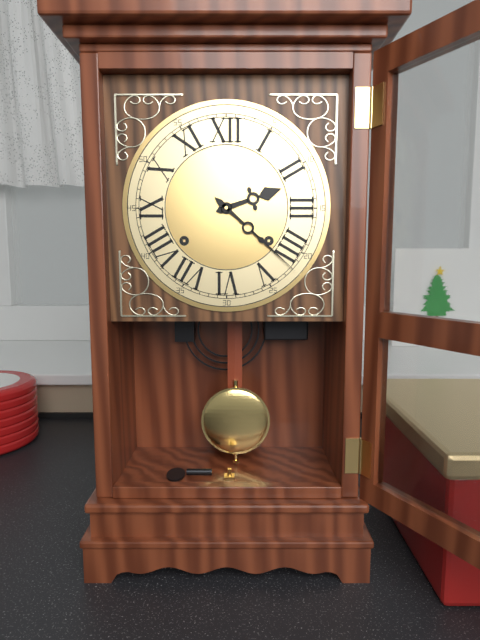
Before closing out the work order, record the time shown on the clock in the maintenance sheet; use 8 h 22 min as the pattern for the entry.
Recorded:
2 h 22 min
